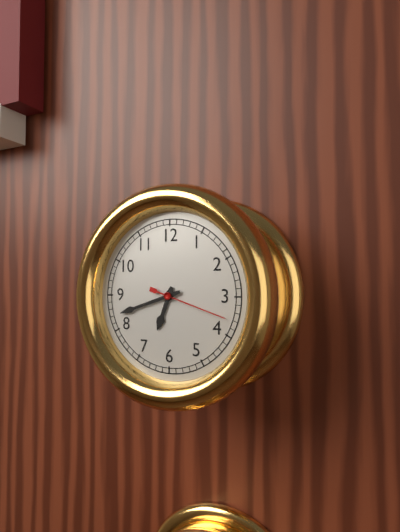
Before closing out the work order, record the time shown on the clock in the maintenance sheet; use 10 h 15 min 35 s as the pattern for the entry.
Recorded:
6 h 42 min 18 s
